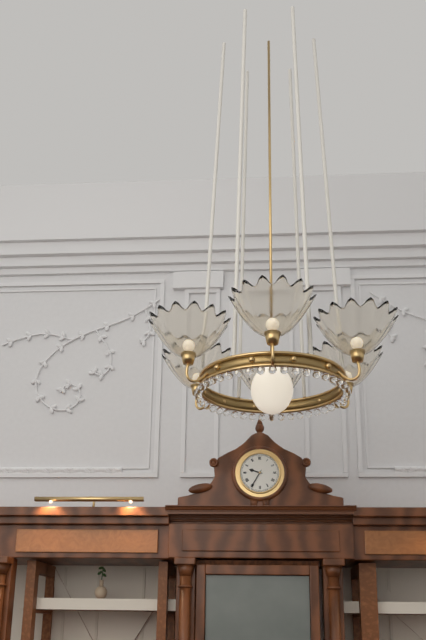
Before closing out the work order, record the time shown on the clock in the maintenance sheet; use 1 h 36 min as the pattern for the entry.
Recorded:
9 h 35 min
